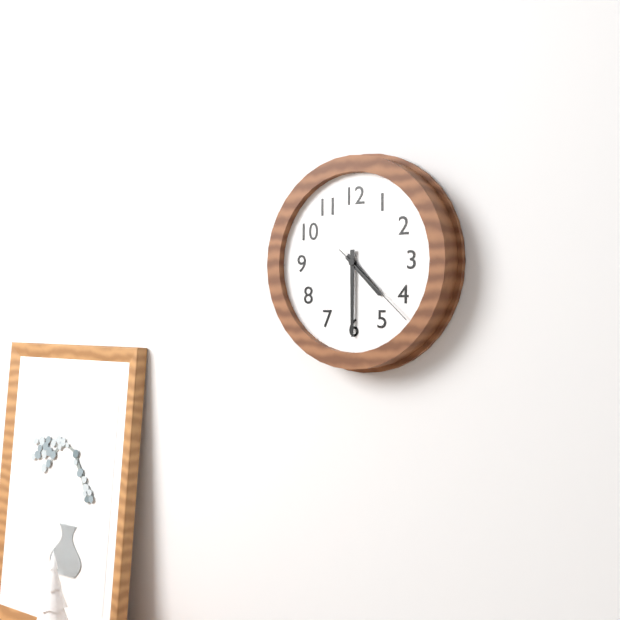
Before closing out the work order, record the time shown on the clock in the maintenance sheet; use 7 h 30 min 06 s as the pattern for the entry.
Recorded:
4 h 30 min 22 s
